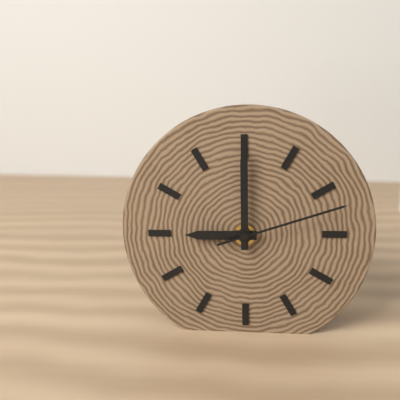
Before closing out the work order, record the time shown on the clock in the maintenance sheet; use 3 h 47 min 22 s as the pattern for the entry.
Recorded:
9 h 00 min 12 s
